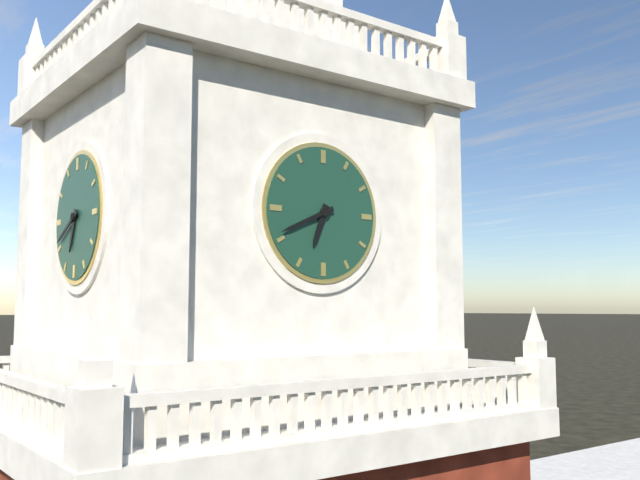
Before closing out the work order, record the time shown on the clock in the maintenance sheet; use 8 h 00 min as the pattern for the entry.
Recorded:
6 h 41 min
